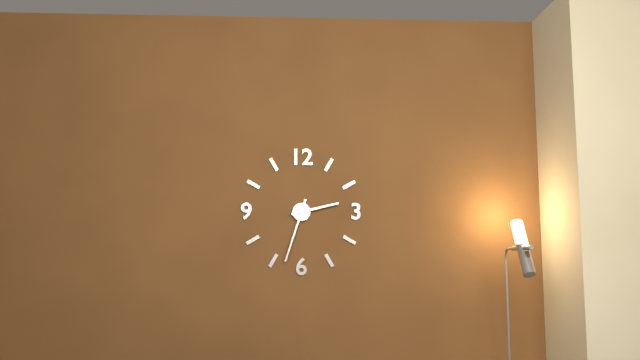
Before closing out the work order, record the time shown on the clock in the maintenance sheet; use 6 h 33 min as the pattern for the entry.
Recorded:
2 h 33 min
